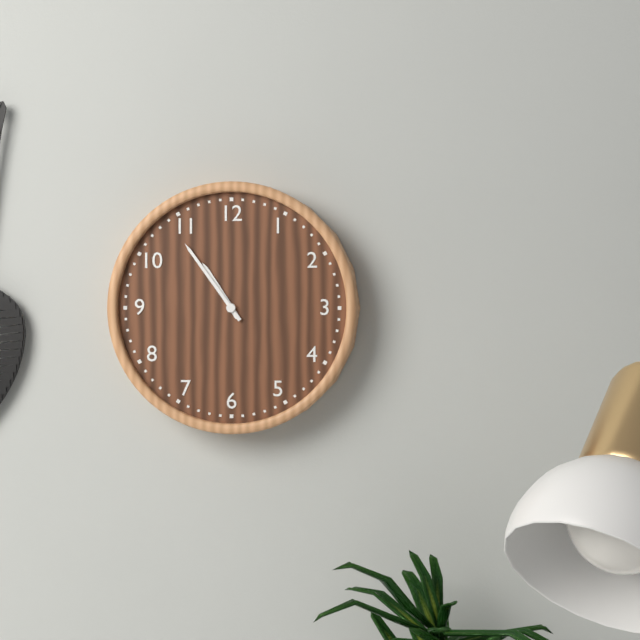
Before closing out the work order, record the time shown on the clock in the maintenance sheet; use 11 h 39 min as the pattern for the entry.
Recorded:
10 h 54 min
